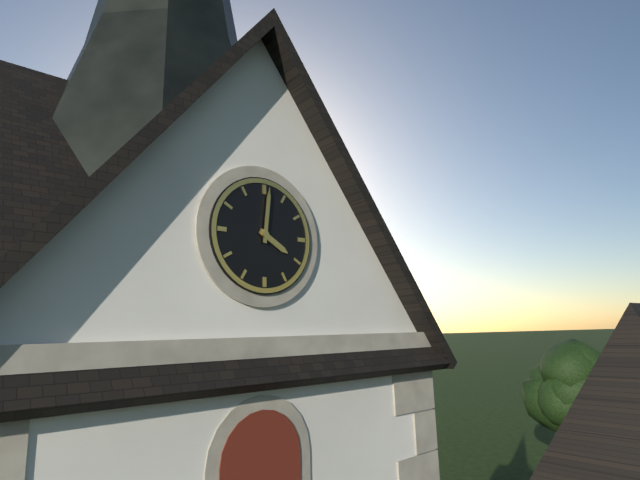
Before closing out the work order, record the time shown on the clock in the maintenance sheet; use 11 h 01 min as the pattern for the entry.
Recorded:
4 h 01 min
